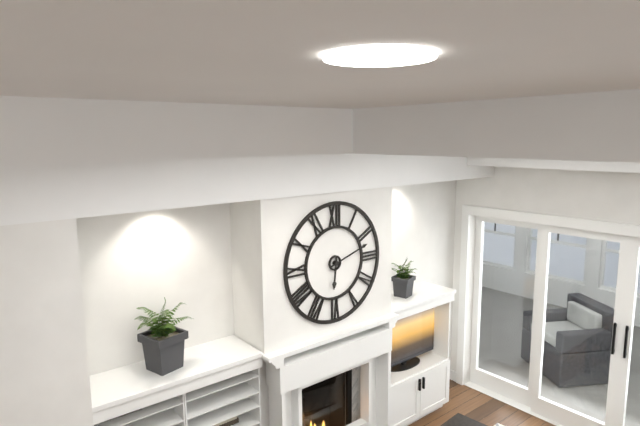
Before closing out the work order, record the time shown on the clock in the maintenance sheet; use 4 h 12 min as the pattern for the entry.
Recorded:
6 h 12 min
